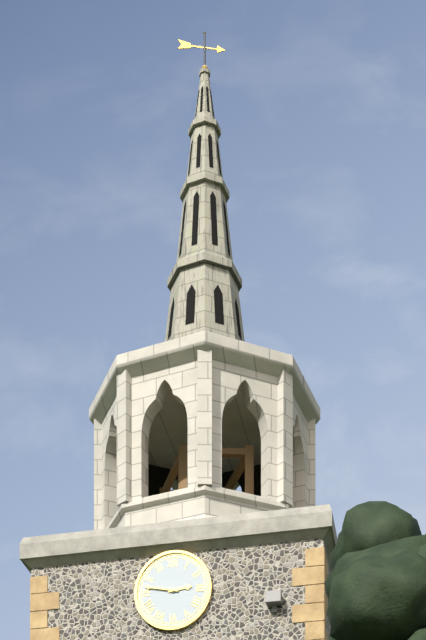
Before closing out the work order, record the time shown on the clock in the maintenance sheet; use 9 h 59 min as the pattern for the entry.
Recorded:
2 h 47 min
